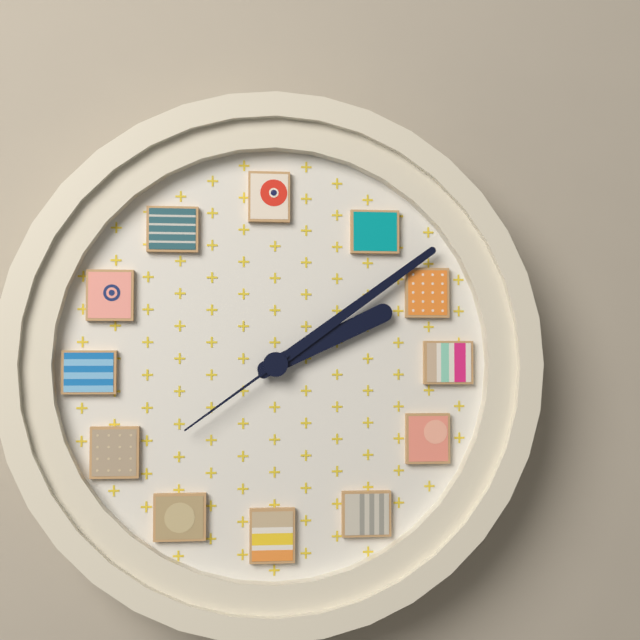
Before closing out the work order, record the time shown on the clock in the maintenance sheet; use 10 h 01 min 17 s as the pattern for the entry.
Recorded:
2 h 09 min 39 s
